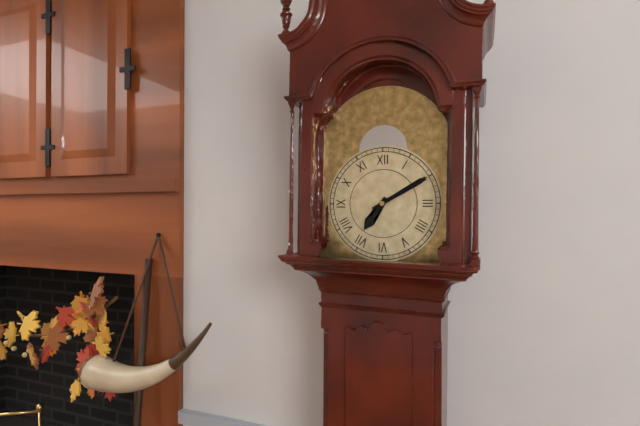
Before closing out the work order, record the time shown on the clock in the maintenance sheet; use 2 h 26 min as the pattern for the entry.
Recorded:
7 h 10 min
